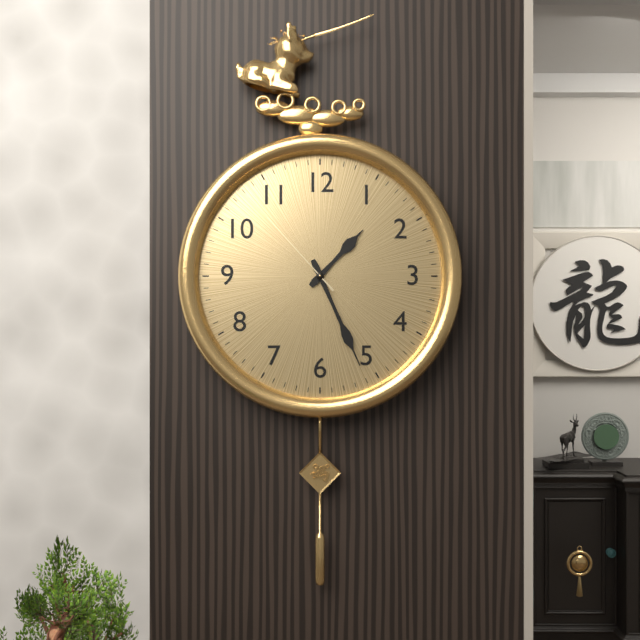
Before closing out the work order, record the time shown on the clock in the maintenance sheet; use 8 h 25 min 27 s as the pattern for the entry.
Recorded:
1 h 26 min 53 s
